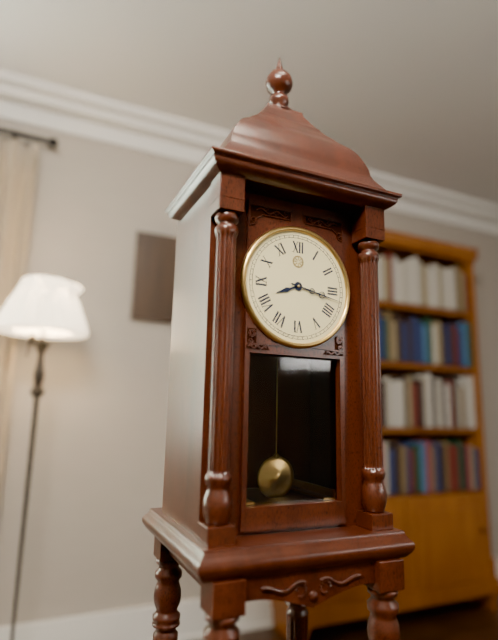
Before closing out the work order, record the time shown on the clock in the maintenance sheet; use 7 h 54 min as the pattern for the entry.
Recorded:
8 h 17 min
